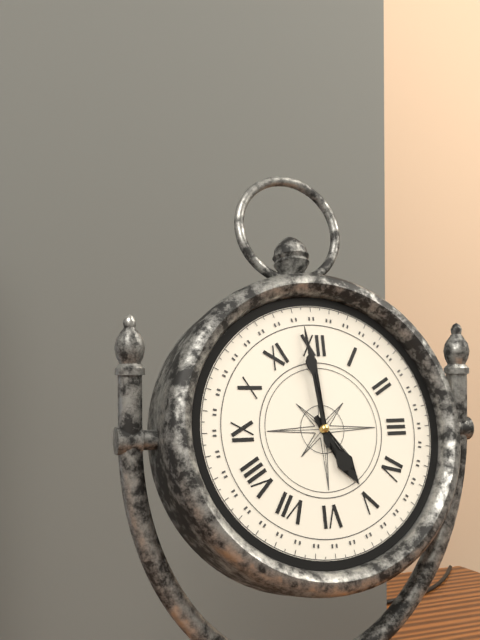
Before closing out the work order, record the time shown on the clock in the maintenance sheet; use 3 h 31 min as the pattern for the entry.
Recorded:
4 h 59 min
